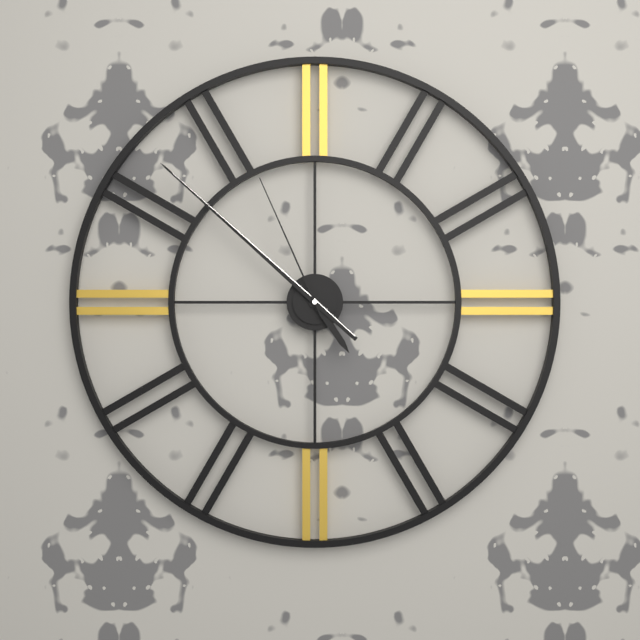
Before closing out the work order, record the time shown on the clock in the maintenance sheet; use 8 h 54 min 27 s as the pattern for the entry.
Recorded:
4 h 52 min 56 s
